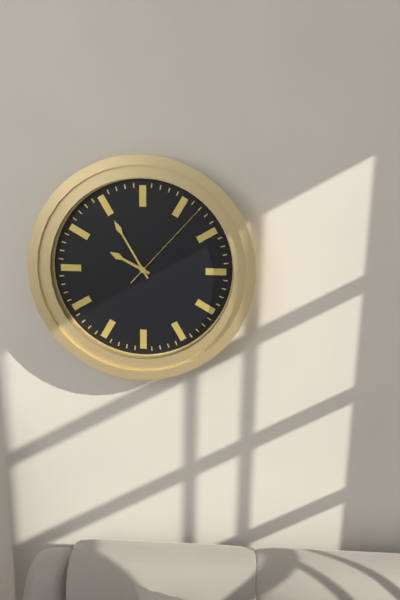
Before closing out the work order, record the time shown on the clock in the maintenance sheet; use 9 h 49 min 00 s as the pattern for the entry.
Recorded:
9 h 55 min 07 s
